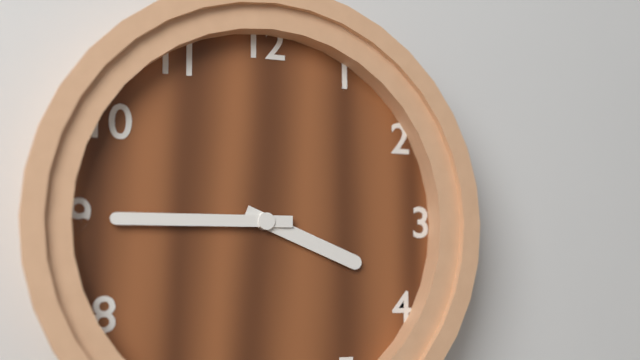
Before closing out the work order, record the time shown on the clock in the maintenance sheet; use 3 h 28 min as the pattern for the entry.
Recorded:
3 h 45 min
